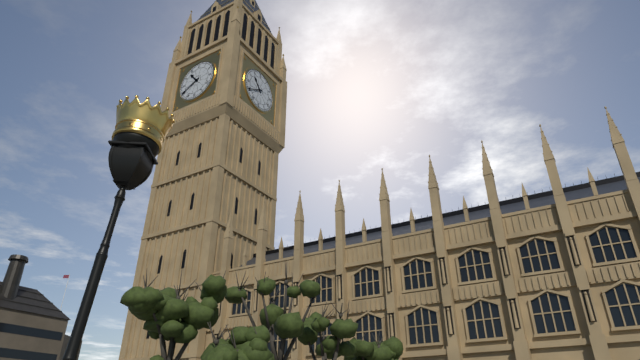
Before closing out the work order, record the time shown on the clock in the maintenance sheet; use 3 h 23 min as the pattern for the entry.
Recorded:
10 h 40 min
